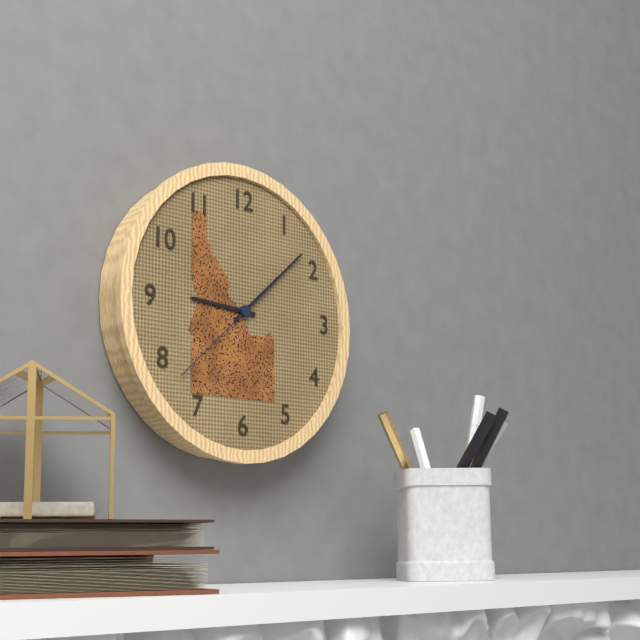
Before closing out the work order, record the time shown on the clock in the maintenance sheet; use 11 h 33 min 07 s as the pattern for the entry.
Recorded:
9 h 08 min 38 s
